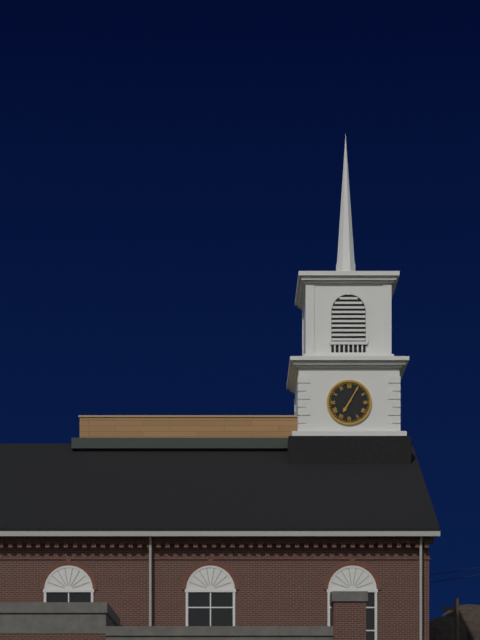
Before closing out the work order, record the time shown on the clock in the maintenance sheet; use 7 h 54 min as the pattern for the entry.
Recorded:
7 h 05 min
